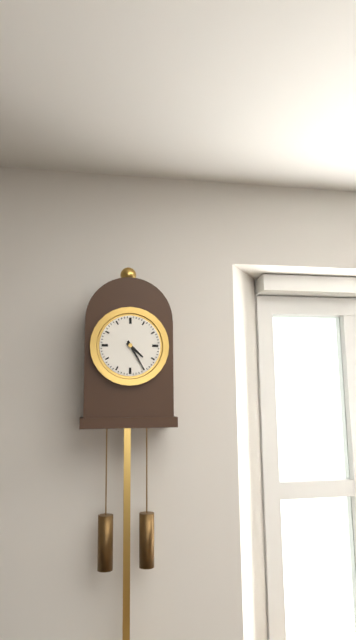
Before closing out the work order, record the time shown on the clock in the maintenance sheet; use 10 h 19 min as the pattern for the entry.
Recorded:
4 h 25 min
